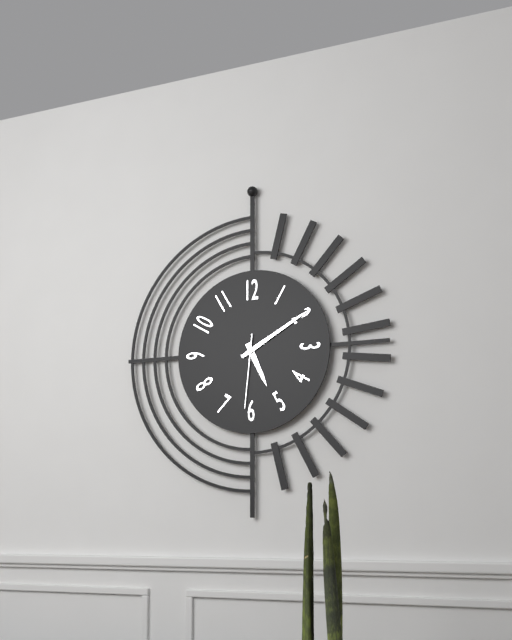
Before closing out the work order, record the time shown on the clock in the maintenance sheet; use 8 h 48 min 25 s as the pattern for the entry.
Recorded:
5 h 10 min 31 s
